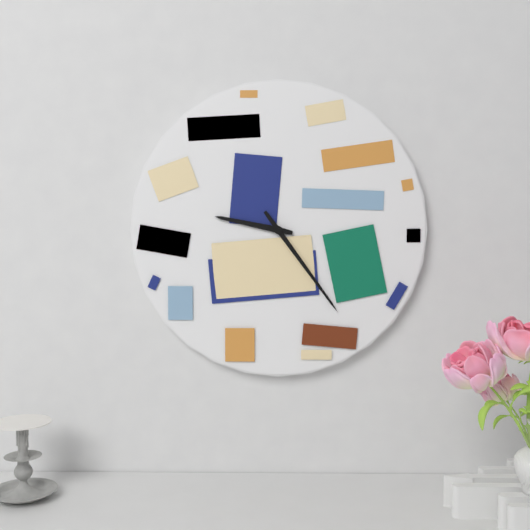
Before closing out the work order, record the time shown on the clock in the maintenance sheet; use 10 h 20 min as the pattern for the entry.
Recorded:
9 h 24 min
